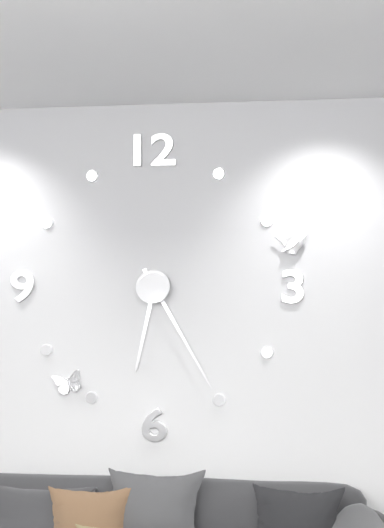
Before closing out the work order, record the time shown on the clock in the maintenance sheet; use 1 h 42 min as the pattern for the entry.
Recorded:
6 h 25 min
